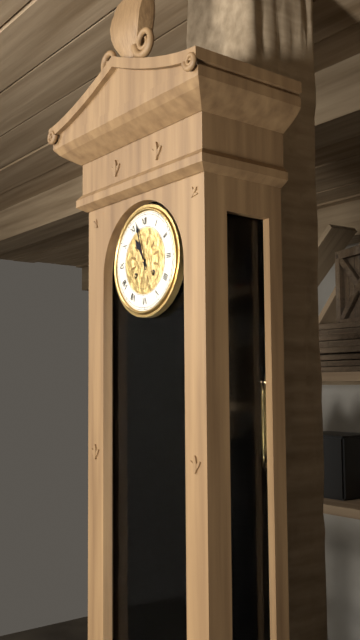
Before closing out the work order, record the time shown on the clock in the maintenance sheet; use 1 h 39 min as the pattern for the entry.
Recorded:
10 h 57 min
